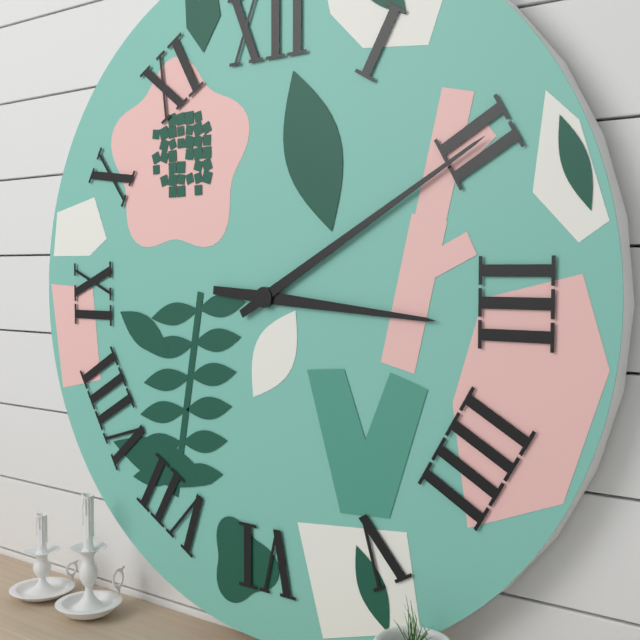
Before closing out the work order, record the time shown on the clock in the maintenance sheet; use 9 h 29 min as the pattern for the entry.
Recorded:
3 h 10 min
